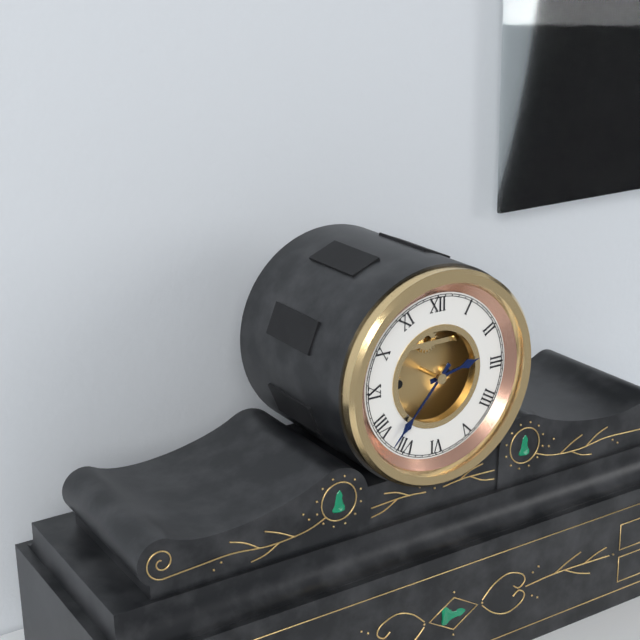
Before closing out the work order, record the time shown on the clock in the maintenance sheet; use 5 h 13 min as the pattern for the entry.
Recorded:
2 h 37 min
